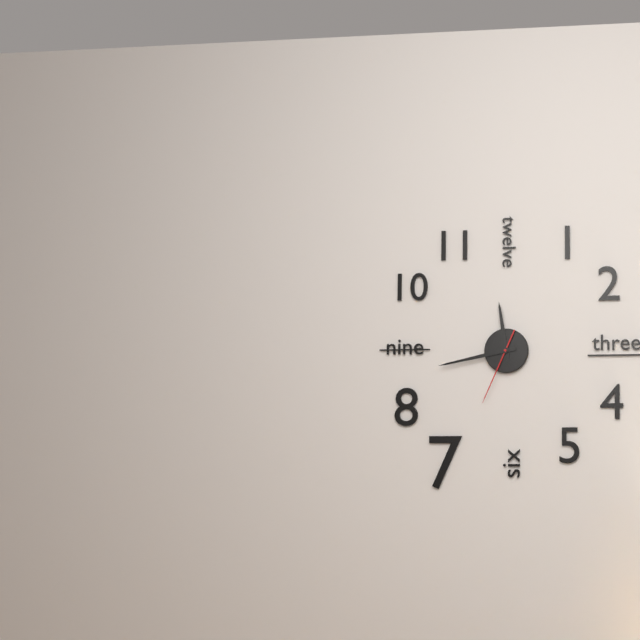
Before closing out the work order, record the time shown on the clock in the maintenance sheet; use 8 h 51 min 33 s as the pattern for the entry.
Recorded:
11 h 43 min 34 s
